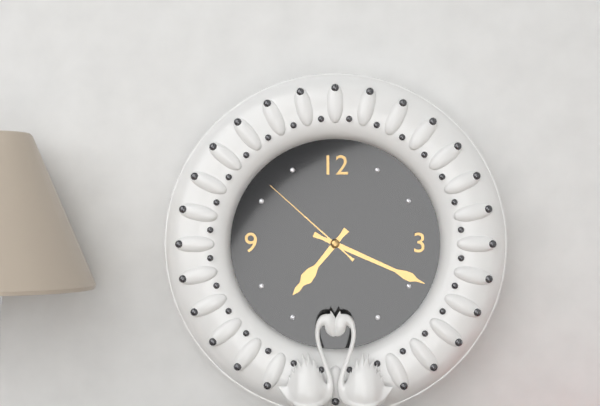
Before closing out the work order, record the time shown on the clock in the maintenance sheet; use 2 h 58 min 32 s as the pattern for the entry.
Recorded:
7 h 19 min 52 s
